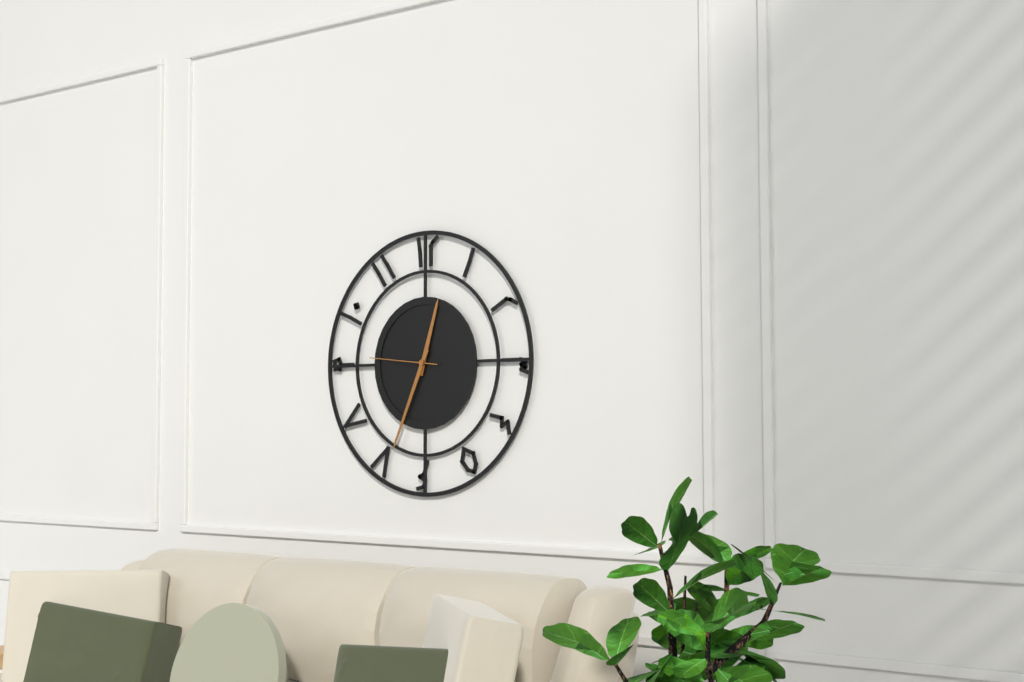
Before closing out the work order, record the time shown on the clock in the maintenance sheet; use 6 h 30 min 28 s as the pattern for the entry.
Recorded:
12 h 34 min 46 s
